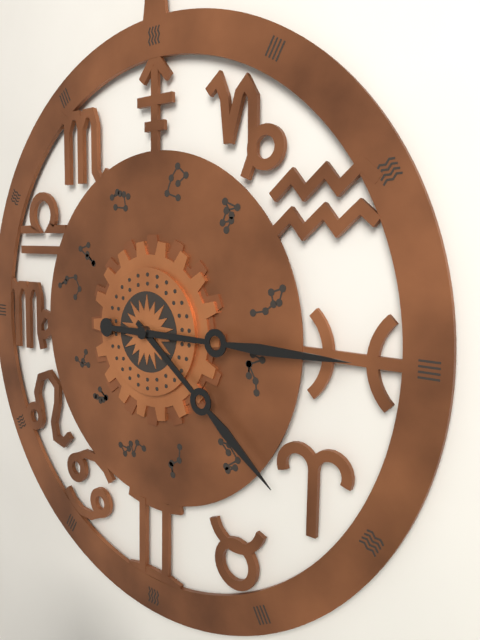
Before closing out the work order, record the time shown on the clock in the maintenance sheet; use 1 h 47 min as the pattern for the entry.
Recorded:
4 h 15 min
